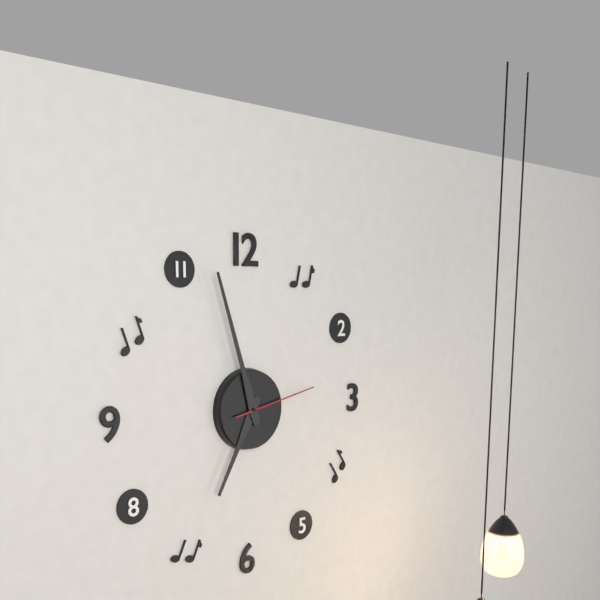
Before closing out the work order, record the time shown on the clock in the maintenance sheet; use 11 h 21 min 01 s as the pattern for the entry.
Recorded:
6 h 57 min 13 s
